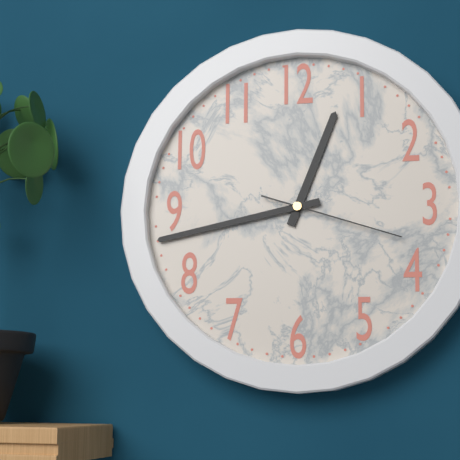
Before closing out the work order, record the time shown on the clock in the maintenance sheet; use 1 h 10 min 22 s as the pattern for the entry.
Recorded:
12 h 43 min 18 s
